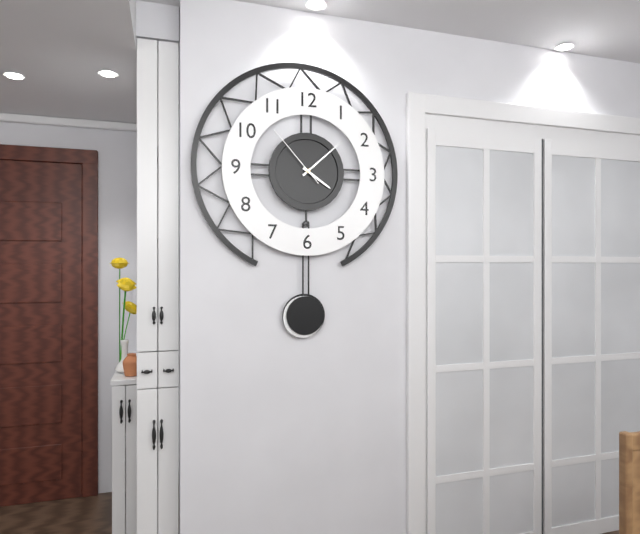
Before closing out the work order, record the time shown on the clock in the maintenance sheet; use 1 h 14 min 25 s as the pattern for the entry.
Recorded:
4 h 08 min 53 s
